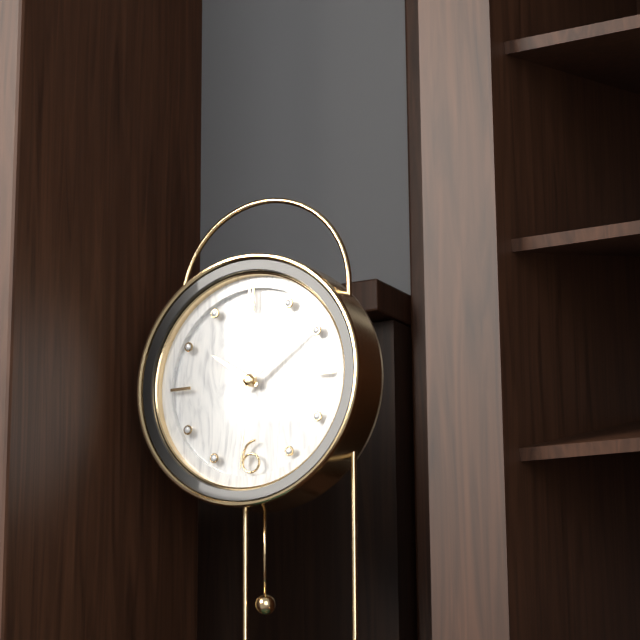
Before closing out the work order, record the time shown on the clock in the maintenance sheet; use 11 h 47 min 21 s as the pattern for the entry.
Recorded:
10 h 09 min 31 s
